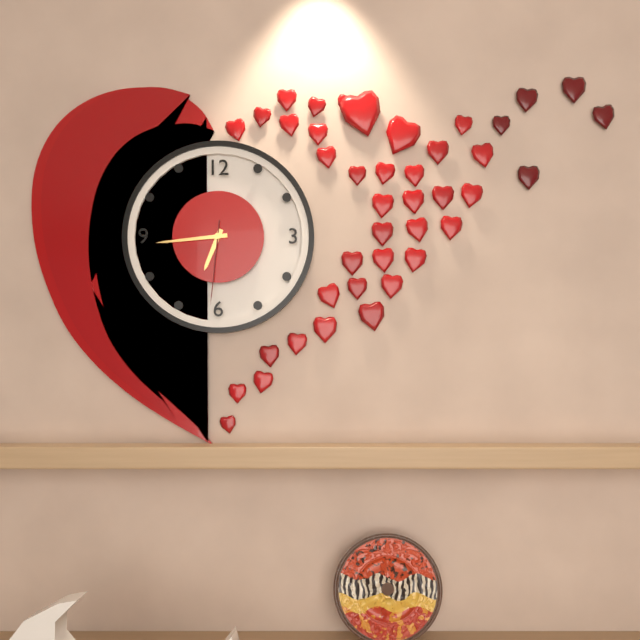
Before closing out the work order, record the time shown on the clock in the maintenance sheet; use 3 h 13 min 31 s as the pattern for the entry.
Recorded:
6 h 44 min 31 s
